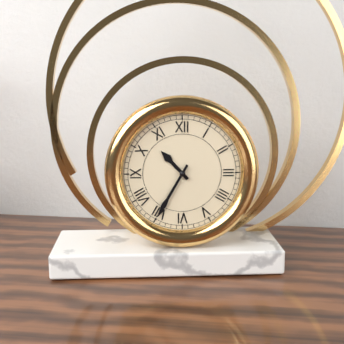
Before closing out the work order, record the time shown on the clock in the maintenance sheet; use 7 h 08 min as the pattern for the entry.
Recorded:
10 h 35 min
